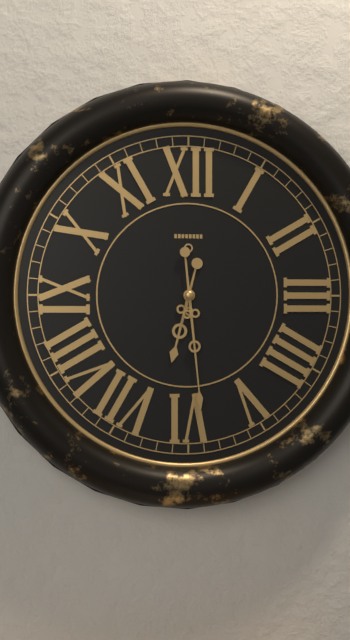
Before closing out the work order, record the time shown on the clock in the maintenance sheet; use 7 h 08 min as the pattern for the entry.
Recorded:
6 h 29 min
